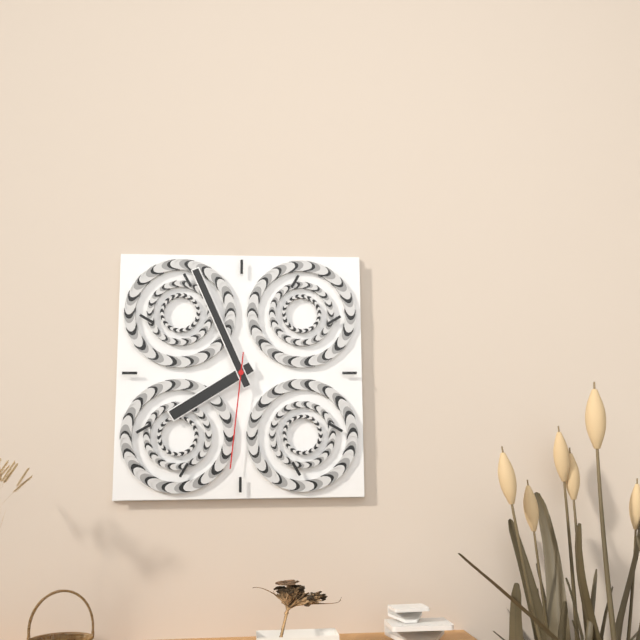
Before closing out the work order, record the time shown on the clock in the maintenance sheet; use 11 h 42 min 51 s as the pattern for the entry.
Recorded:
7 h 56 min 31 s
